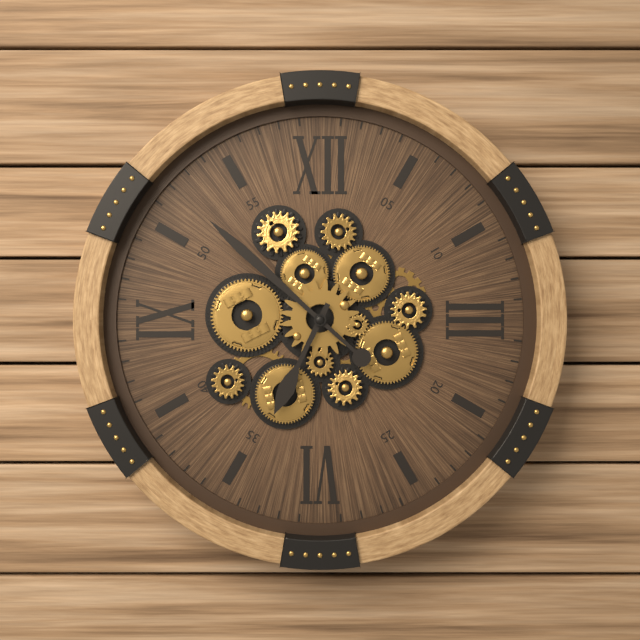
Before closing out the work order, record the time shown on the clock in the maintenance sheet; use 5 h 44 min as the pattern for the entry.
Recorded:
6 h 52 min
